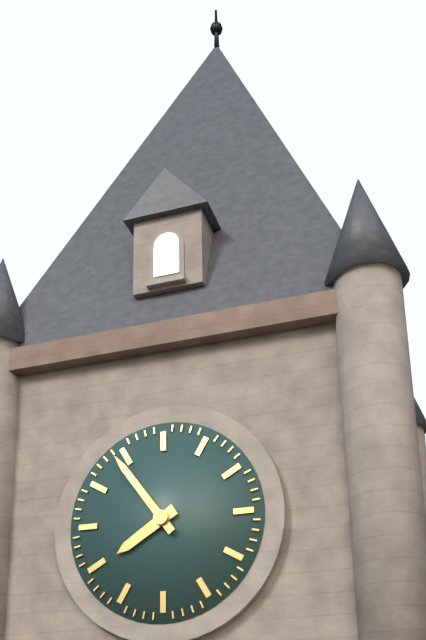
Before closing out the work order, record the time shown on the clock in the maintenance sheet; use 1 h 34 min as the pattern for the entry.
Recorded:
7 h 54 min
